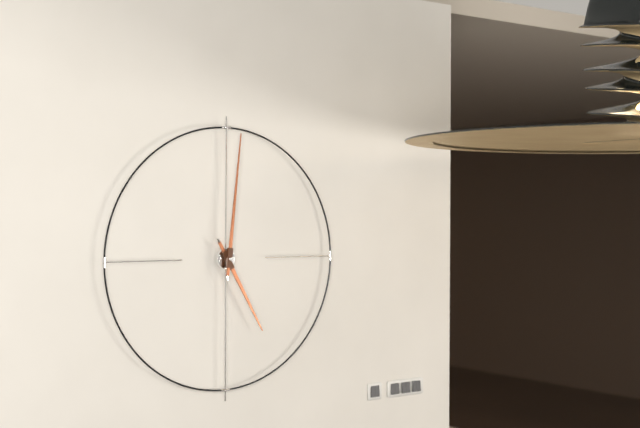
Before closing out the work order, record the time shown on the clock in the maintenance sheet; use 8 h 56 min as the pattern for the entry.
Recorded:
5 h 01 min
